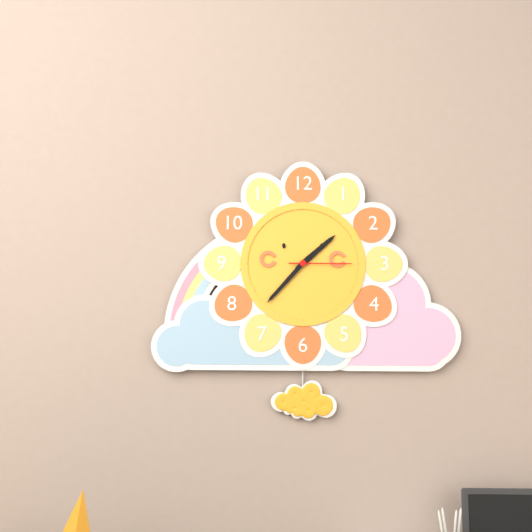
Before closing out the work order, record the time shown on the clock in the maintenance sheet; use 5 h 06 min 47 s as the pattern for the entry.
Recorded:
1 h 37 min 15 s
